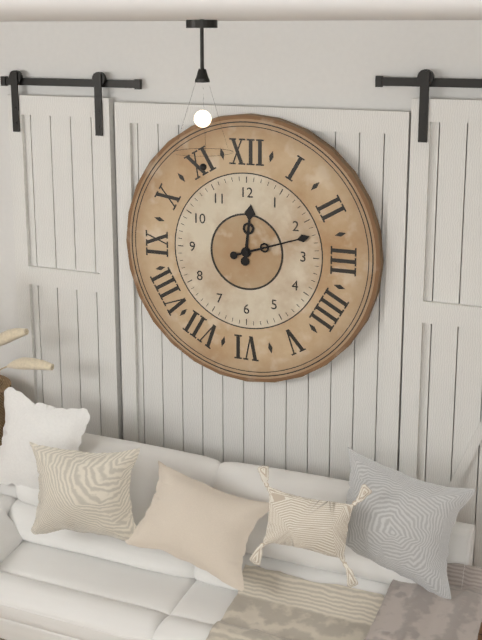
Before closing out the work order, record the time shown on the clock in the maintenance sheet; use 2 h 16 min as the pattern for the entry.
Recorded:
12 h 12 min
